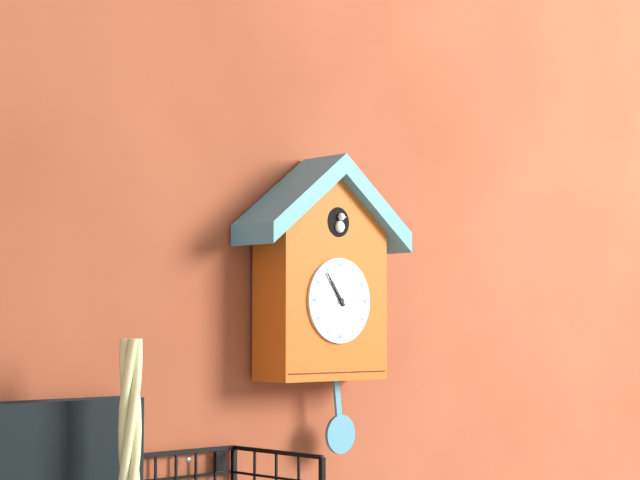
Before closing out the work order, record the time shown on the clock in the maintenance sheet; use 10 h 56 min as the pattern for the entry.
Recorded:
10 h 54 min
